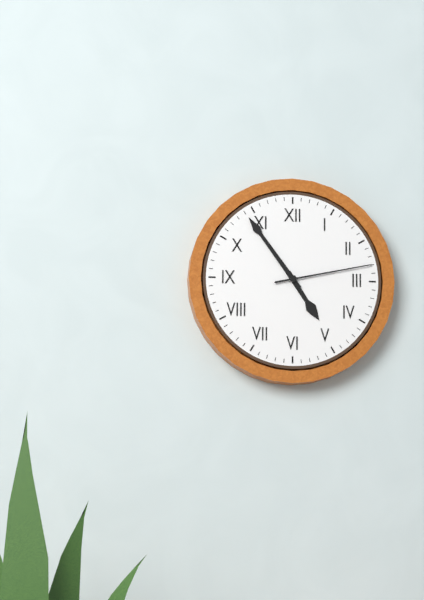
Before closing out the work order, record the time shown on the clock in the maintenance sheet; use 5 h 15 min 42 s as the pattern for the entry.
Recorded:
4 h 54 min 13 s
